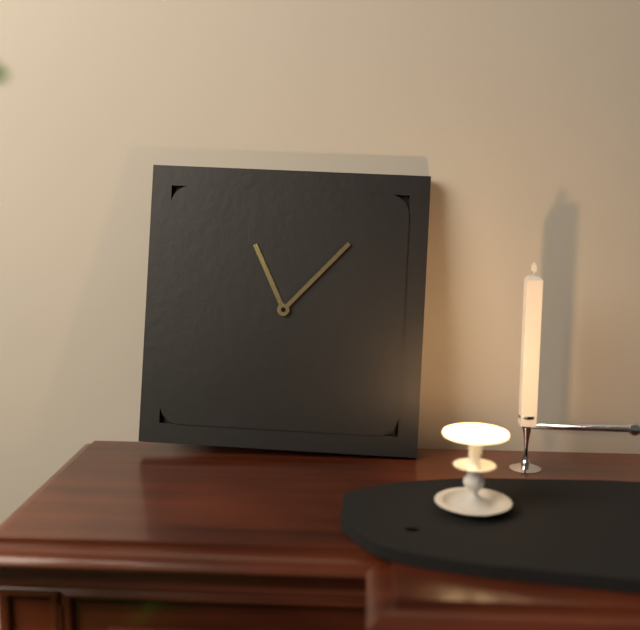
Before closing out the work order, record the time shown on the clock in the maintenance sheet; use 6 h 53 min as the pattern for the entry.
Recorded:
11 h 07 min
